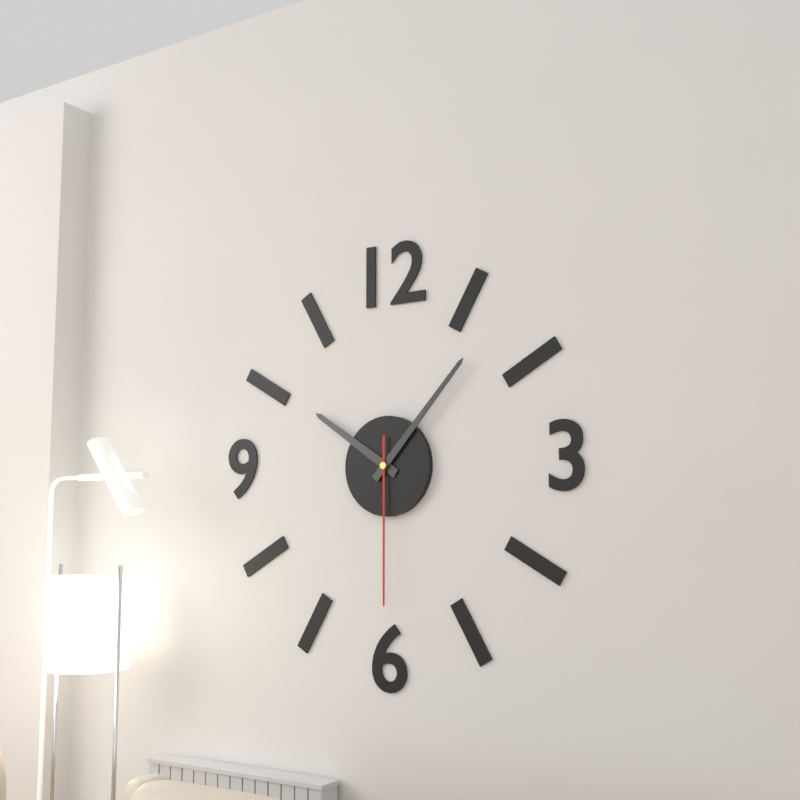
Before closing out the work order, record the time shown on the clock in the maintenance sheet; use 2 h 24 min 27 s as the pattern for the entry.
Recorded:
10 h 07 min 30 s
